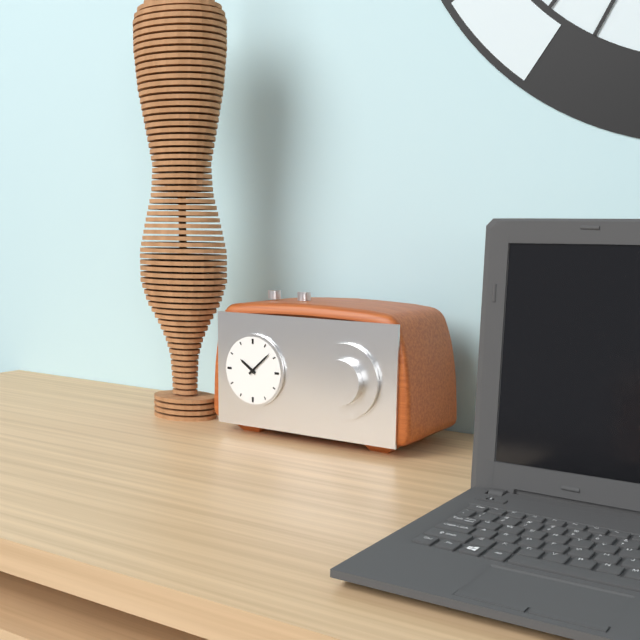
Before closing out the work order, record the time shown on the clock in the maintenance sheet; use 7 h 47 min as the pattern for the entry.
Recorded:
10 h 08 min
